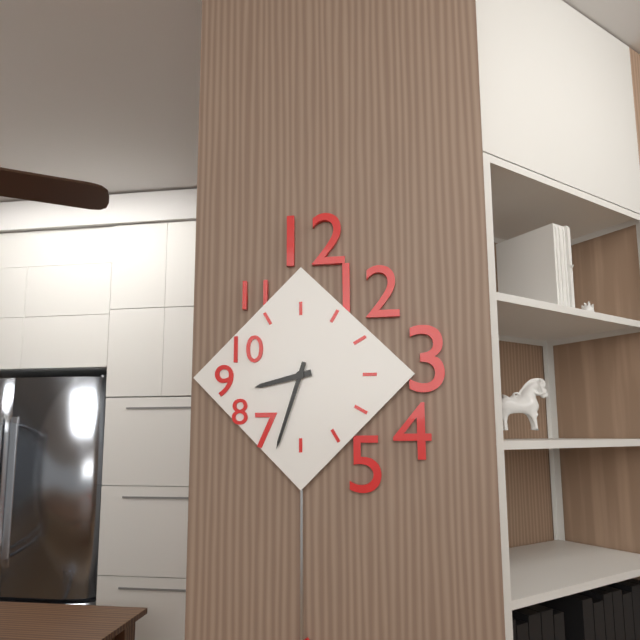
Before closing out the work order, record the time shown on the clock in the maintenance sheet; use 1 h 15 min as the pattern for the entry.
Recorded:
8 h 33 min
